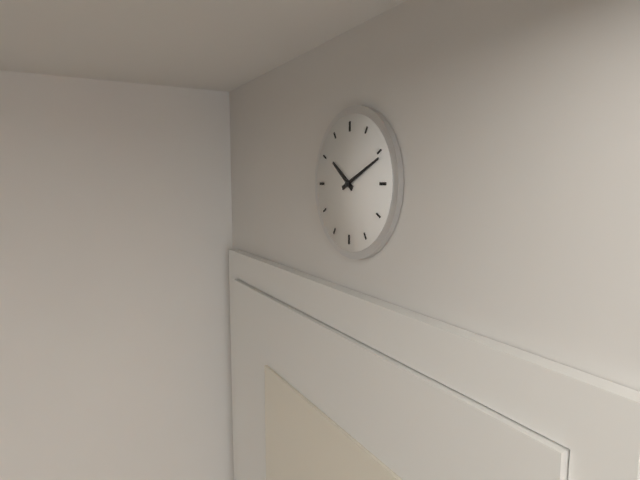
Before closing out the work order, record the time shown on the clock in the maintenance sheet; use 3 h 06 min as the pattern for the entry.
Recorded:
10 h 11 min
